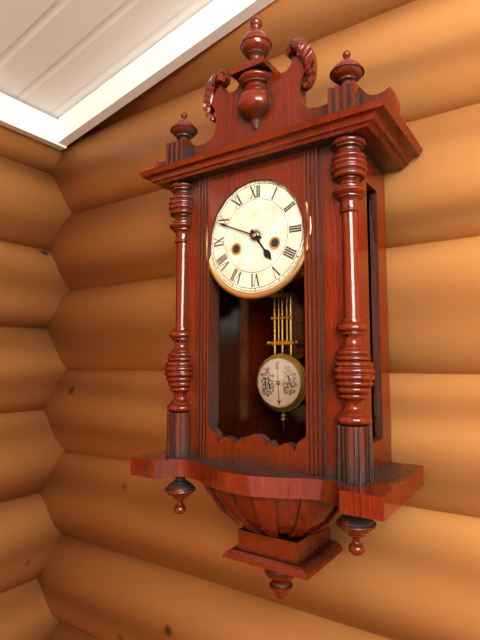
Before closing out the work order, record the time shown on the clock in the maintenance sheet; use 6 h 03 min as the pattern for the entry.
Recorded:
4 h 49 min
